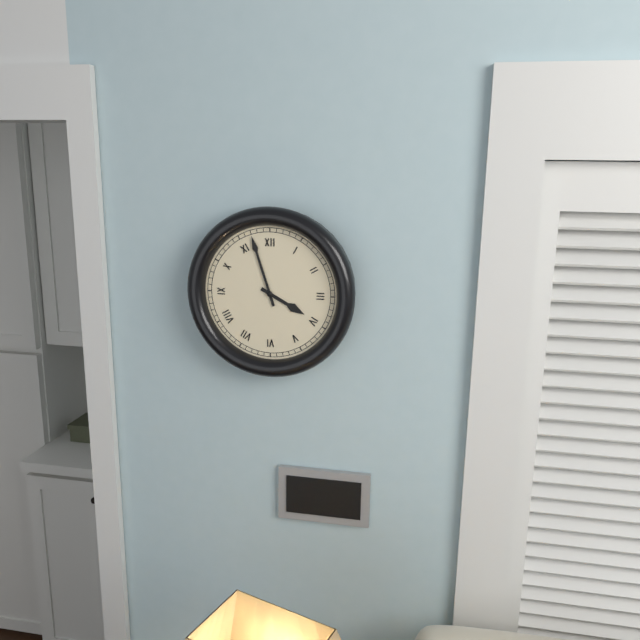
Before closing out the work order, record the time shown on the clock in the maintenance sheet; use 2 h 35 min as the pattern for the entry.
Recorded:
3 h 57 min
